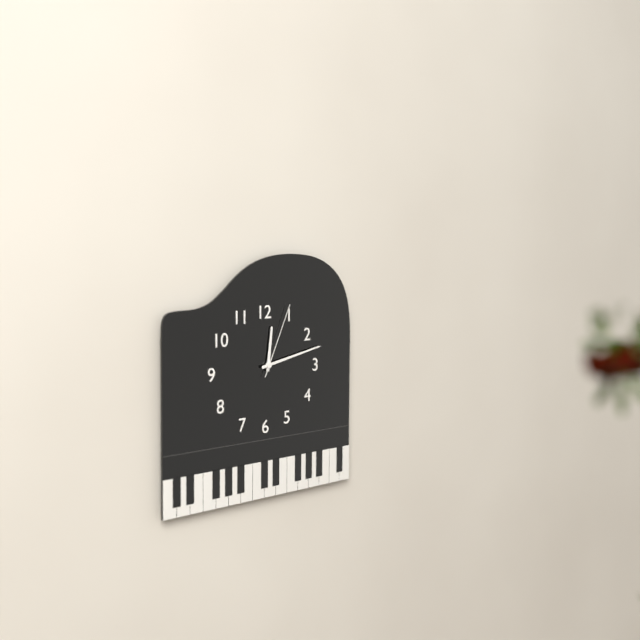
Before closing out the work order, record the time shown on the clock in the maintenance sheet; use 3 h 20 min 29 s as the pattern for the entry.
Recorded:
12 h 13 min 04 s
